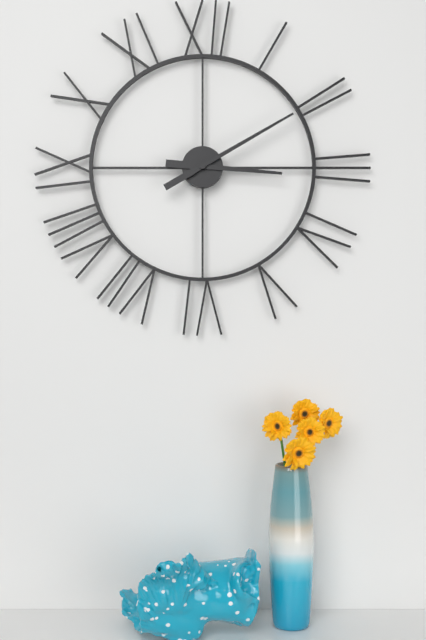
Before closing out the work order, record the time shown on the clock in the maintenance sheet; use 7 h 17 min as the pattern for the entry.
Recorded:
3 h 10 min
